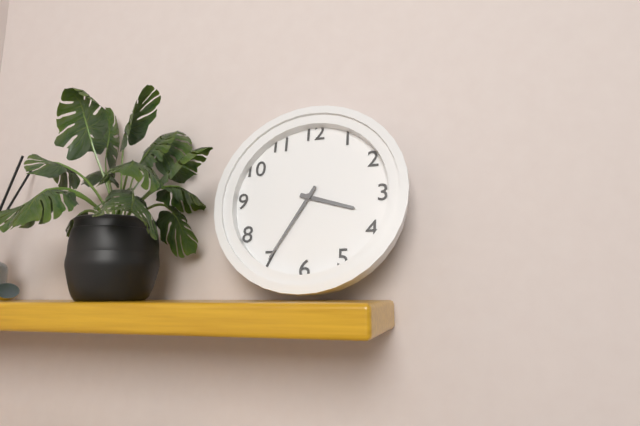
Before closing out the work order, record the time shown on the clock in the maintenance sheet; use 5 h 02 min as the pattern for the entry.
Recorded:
3 h 35 min
